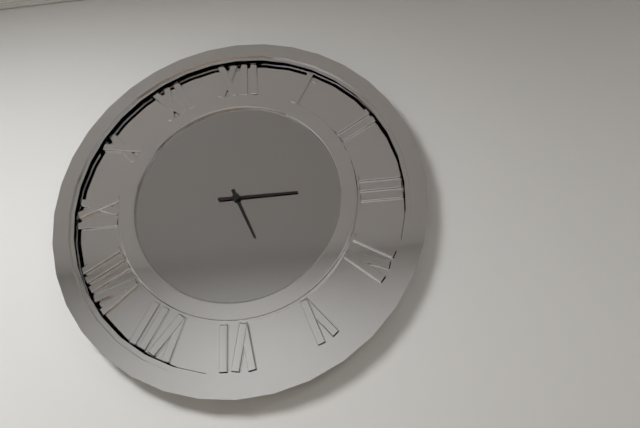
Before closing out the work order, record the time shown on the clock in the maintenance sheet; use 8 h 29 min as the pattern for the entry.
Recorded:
5 h 15 min
